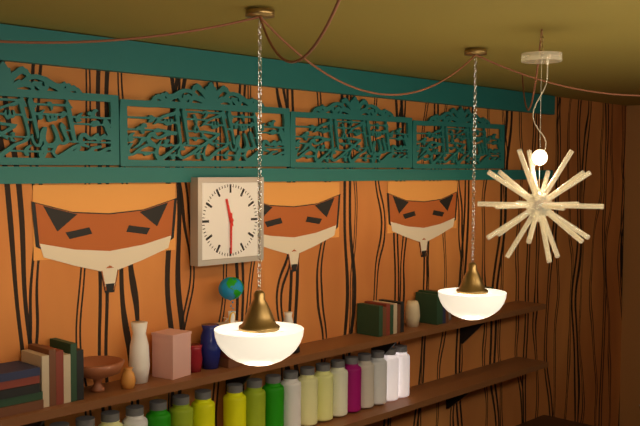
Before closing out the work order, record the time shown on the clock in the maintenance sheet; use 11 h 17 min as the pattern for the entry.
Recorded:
11 h 30 min
